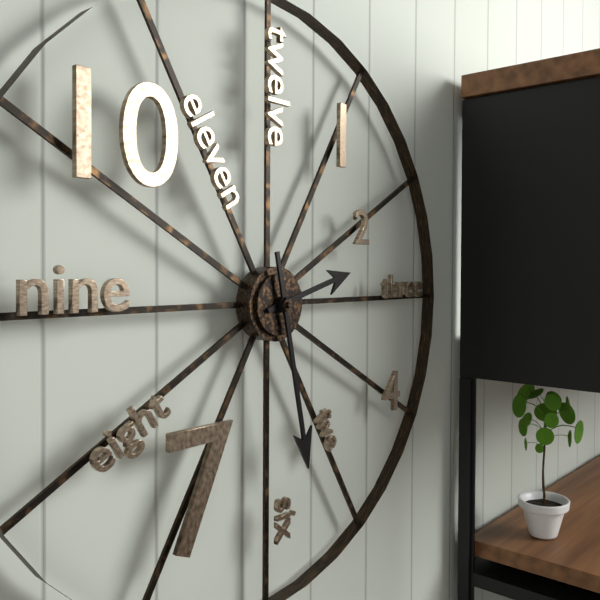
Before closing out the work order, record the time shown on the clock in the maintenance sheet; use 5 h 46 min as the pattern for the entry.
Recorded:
2 h 28 min
